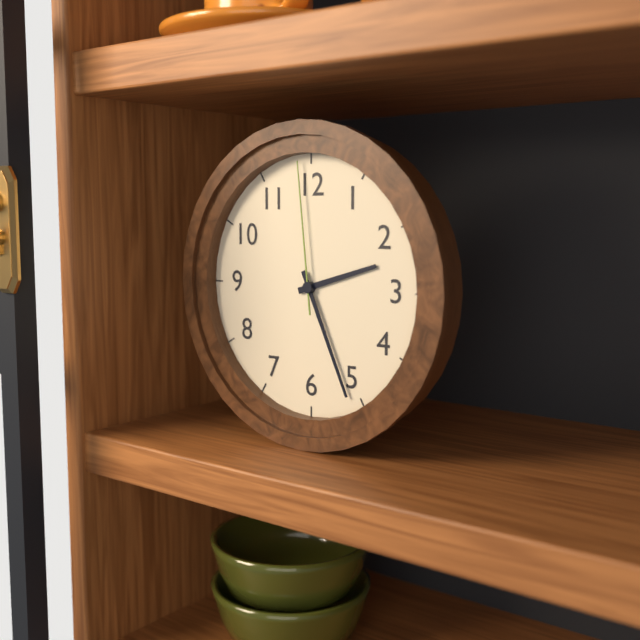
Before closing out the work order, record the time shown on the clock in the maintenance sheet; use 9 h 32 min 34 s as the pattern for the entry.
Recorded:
2 h 26 min 59 s
